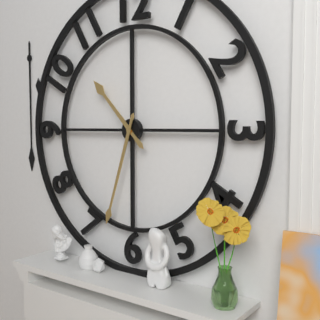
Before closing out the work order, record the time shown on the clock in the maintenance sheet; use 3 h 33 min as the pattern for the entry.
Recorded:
10 h 33 min
